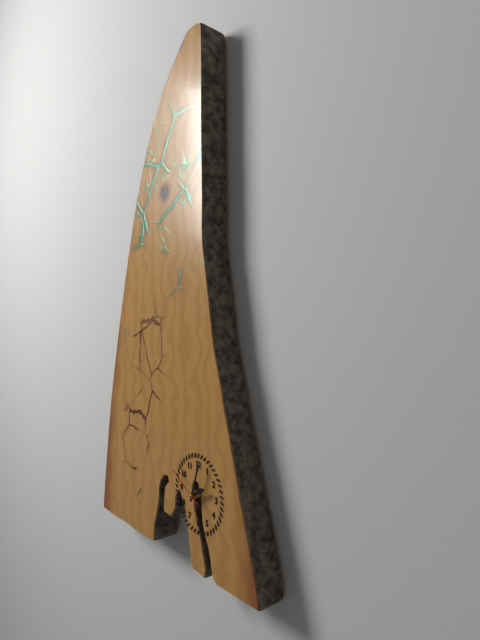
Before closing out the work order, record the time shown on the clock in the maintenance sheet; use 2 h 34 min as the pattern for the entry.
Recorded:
2 h 03 min
